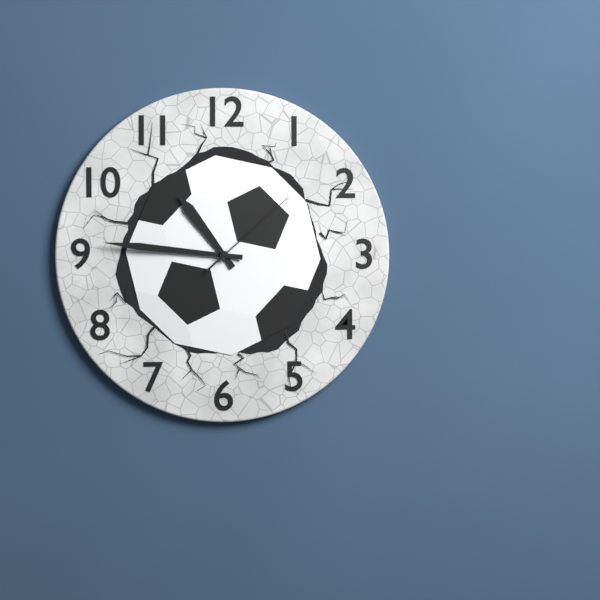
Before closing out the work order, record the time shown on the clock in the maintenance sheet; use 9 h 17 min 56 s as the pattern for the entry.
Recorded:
10 h 46 min 08 s
